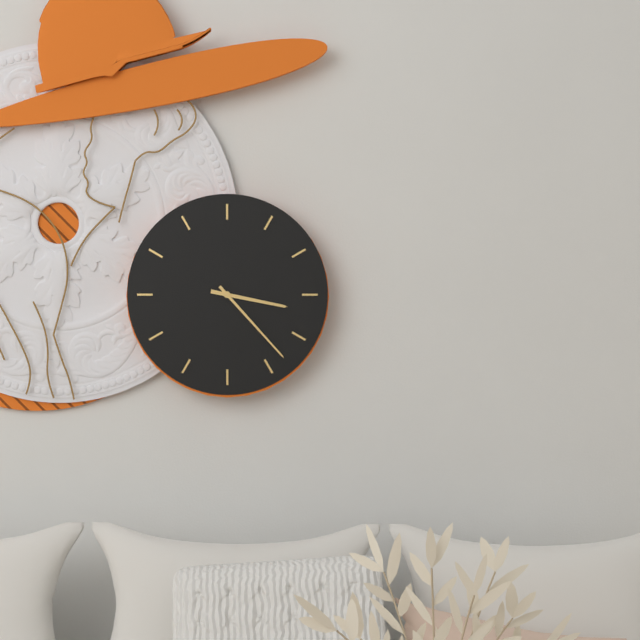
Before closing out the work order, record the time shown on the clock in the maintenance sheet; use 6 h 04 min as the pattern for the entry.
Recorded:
3 h 23 min
